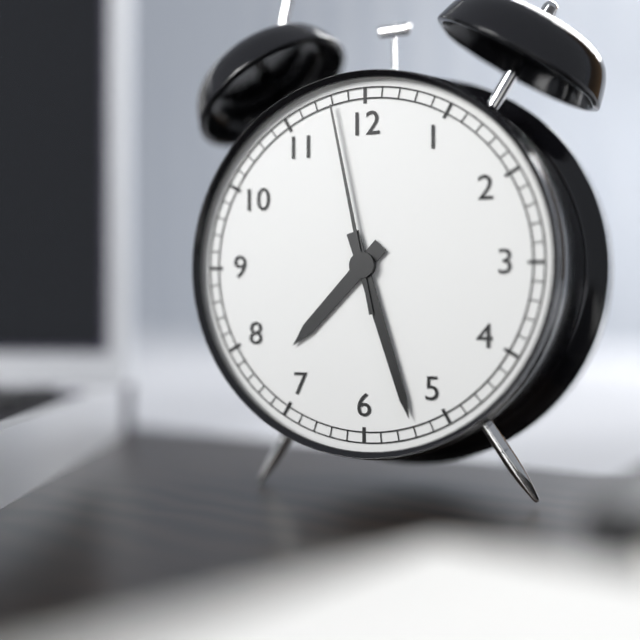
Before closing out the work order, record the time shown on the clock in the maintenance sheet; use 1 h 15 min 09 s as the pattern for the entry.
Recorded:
7 h 27 min 58 s
